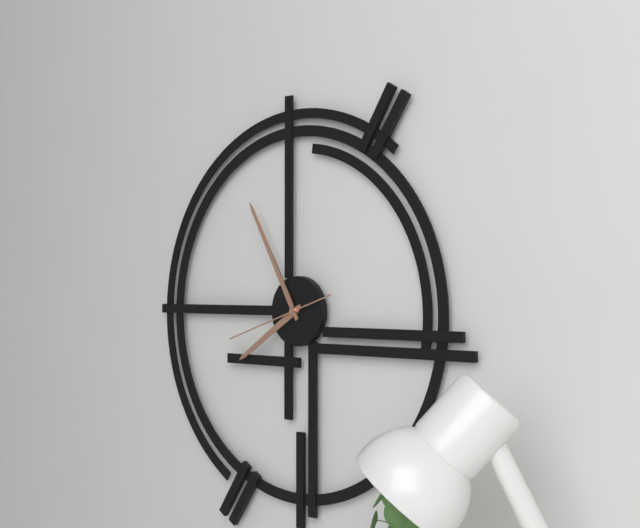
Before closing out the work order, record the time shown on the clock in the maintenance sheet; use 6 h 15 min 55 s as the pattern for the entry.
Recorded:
7 h 55 min 42 s
